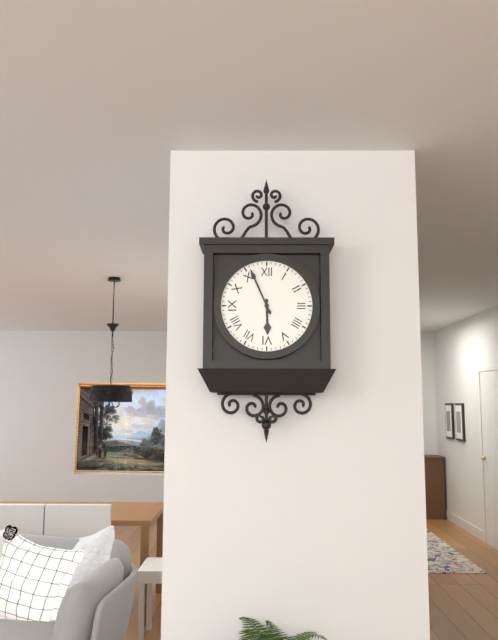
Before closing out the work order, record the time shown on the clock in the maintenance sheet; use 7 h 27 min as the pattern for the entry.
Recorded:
5 h 56 min
